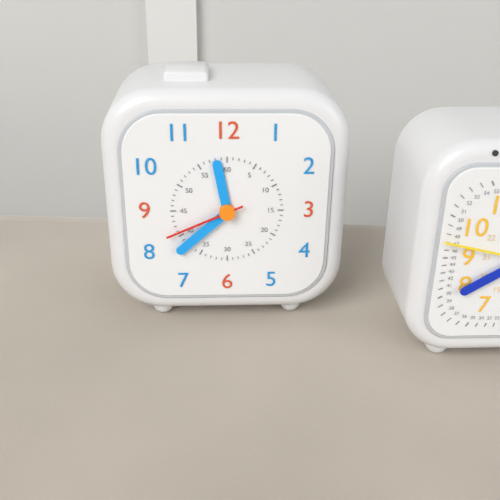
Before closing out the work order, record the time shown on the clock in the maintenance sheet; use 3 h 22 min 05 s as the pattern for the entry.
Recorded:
11 h 38 min 41 s
